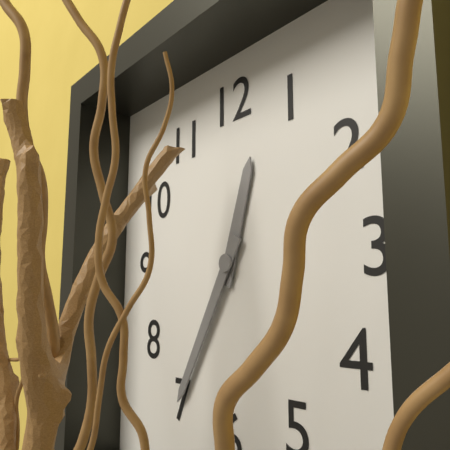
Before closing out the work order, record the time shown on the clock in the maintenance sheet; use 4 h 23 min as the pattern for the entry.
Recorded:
12 h 35 min
